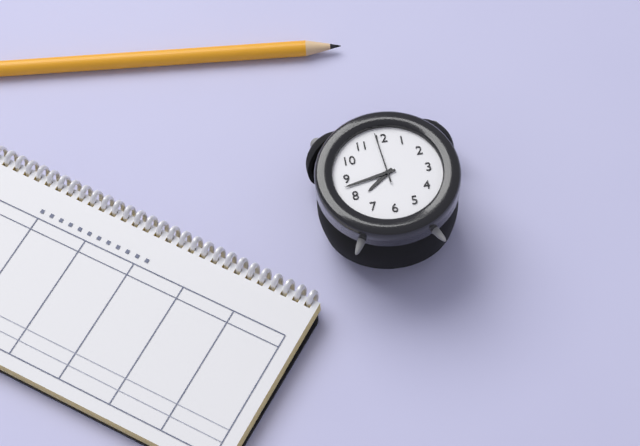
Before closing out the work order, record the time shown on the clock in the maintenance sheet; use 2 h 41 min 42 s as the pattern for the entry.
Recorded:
7 h 43 min 59 s
